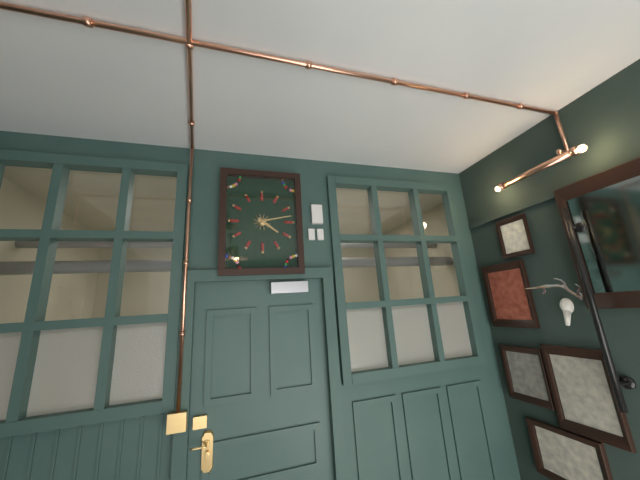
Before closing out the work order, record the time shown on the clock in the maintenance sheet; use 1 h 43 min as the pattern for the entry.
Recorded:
4 h 13 min
